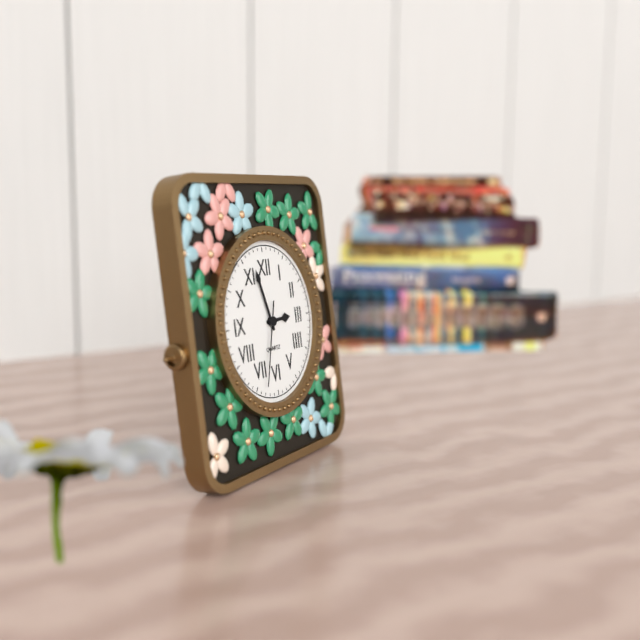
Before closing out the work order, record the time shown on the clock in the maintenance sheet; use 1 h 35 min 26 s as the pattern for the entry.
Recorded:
2 h 57 min 33 s
